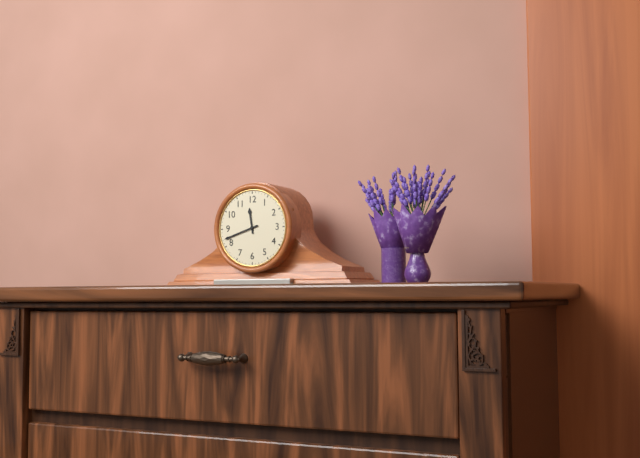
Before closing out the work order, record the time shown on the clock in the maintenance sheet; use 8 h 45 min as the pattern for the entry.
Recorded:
11 h 42 min
